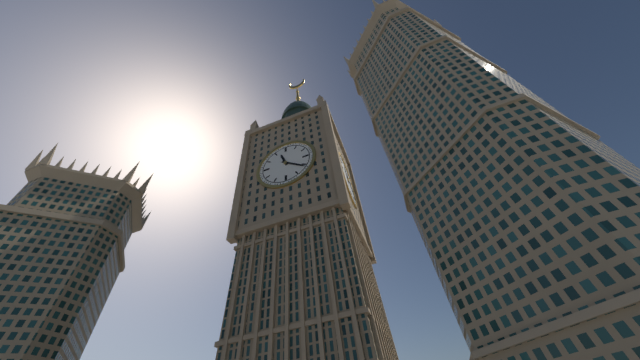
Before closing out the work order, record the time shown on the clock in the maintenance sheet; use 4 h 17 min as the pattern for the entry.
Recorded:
11 h 21 min
